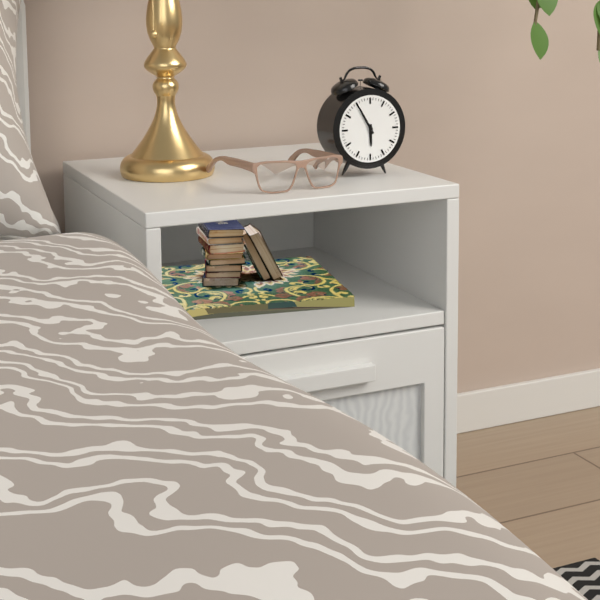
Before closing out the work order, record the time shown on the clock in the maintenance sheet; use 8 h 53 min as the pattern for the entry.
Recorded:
5 h 55 min
